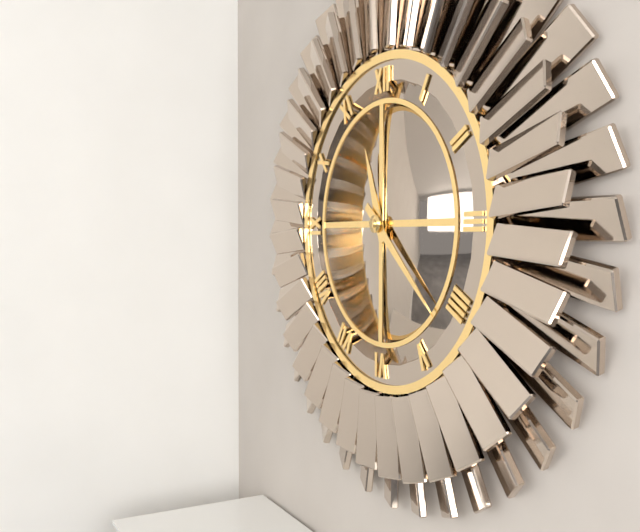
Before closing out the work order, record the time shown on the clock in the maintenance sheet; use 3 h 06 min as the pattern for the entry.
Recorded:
11 h 22 min
